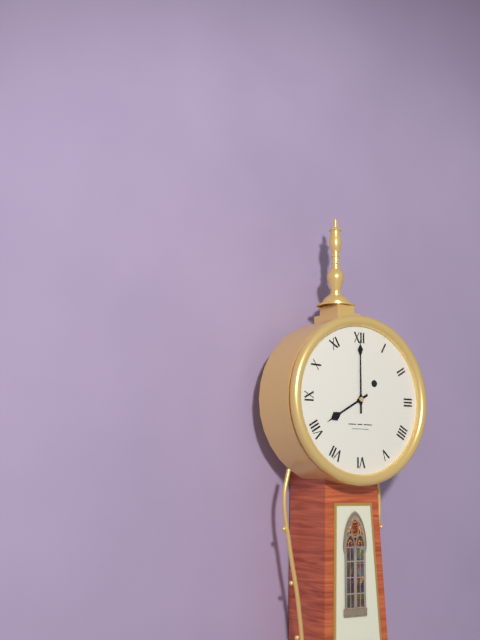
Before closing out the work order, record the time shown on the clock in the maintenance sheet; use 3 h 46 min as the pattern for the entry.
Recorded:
8 h 00 min
